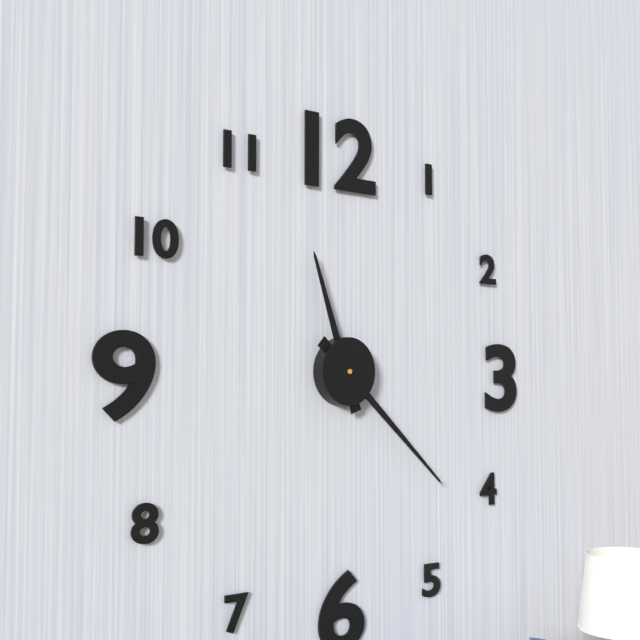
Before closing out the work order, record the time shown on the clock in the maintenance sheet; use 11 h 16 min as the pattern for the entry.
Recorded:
11 h 22 min
